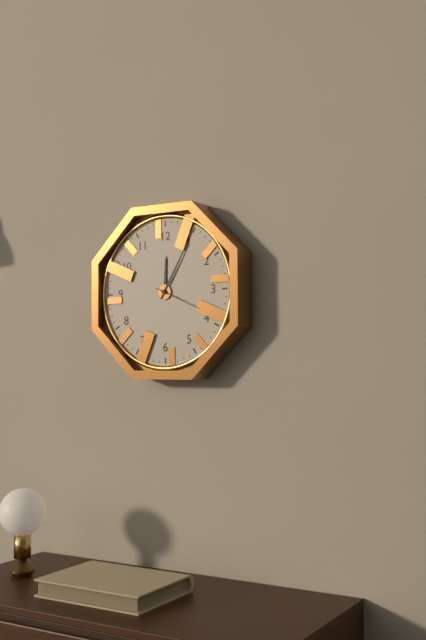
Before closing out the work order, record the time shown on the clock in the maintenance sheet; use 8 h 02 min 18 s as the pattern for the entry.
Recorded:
12 h 05 min 19 s
